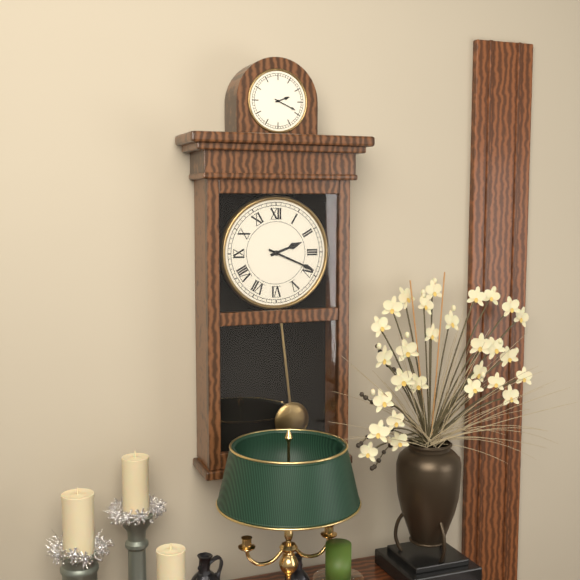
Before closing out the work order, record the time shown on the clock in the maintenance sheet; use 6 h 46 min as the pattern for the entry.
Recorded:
2 h 19 min
